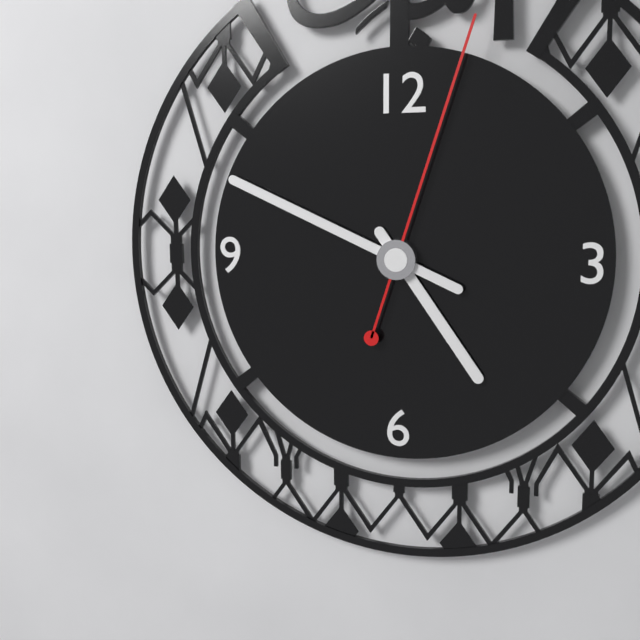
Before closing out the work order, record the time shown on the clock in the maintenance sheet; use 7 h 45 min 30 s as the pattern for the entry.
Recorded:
4 h 49 min 03 s
